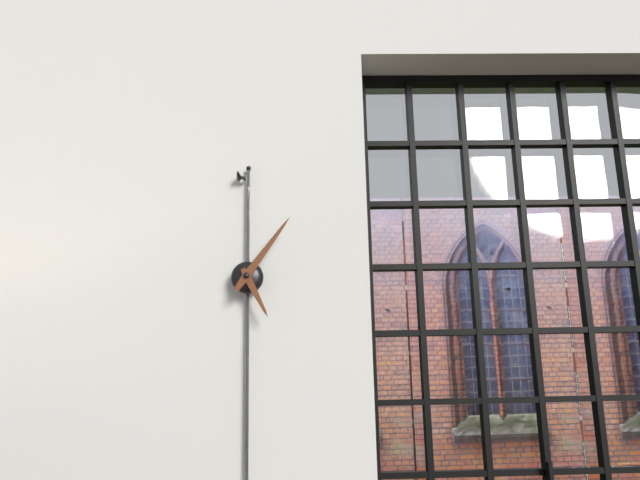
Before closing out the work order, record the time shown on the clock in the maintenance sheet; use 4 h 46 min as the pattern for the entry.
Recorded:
5 h 06 min
